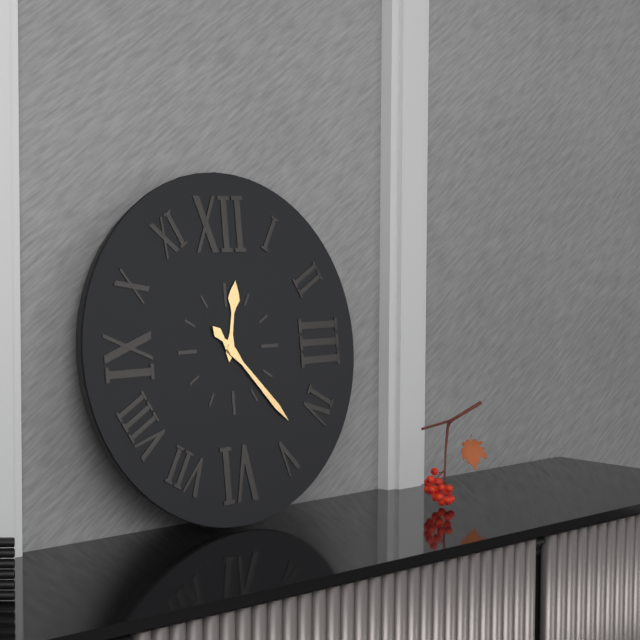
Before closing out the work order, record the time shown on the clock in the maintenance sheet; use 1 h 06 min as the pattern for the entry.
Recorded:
12 h 23 min
